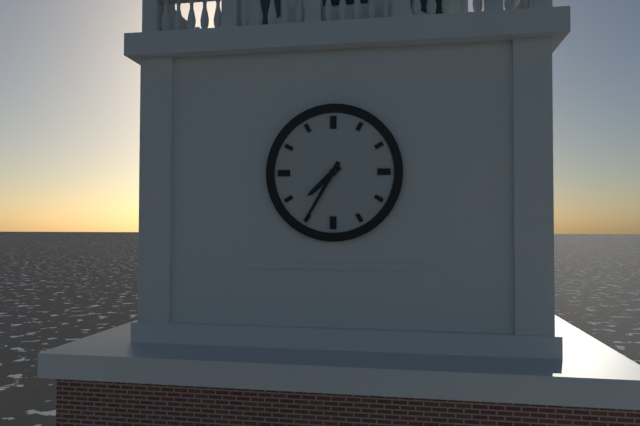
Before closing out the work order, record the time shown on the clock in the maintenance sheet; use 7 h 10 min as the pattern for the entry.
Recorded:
7 h 35 min
